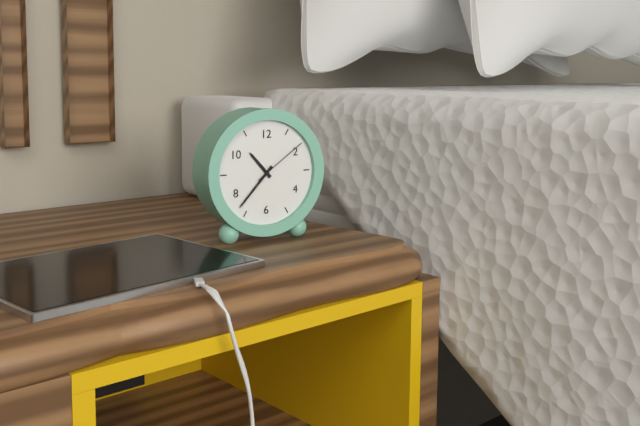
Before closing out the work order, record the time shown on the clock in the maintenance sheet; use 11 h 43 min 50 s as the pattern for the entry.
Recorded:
10 h 37 min 09 s
